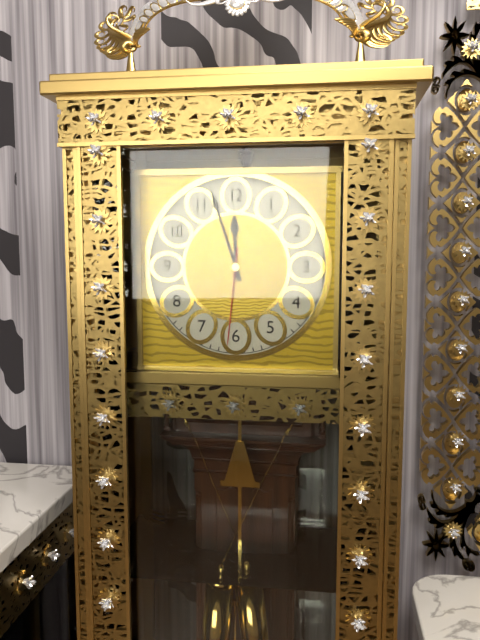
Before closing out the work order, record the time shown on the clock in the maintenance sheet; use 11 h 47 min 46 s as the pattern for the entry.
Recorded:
11 h 57 min 31 s
